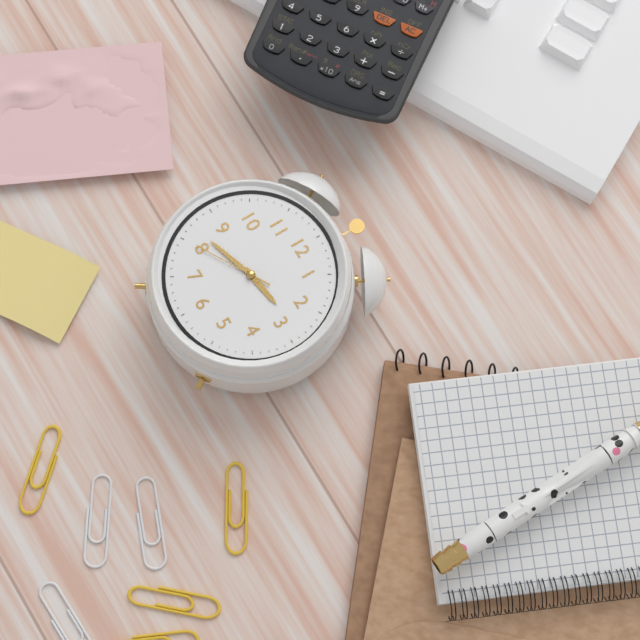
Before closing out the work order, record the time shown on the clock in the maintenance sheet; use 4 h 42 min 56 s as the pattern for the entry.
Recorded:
2 h 42 min 40 s
